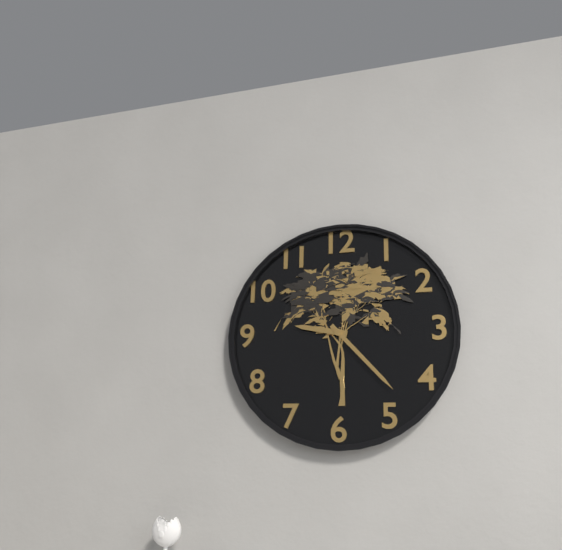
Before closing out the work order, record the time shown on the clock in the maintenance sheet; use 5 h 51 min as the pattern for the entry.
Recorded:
9 h 23 min
